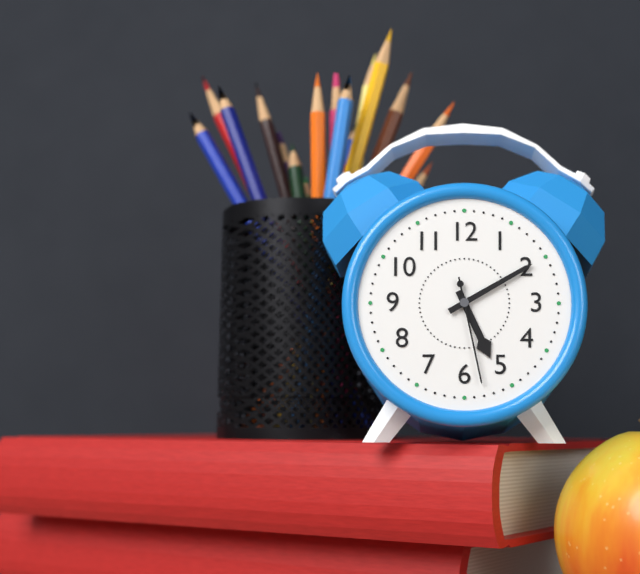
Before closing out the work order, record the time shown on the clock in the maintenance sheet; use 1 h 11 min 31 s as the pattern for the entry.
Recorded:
5 h 10 min 28 s
